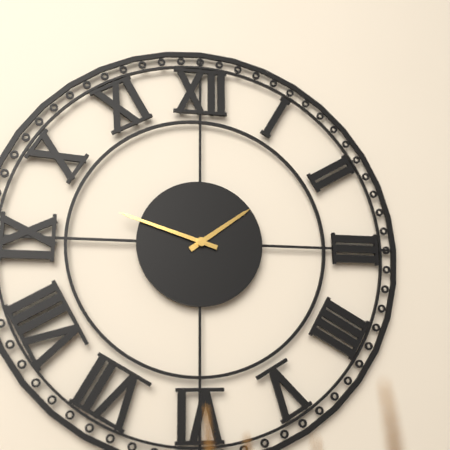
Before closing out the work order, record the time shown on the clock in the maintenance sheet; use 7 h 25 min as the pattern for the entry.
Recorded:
1 h 48 min
